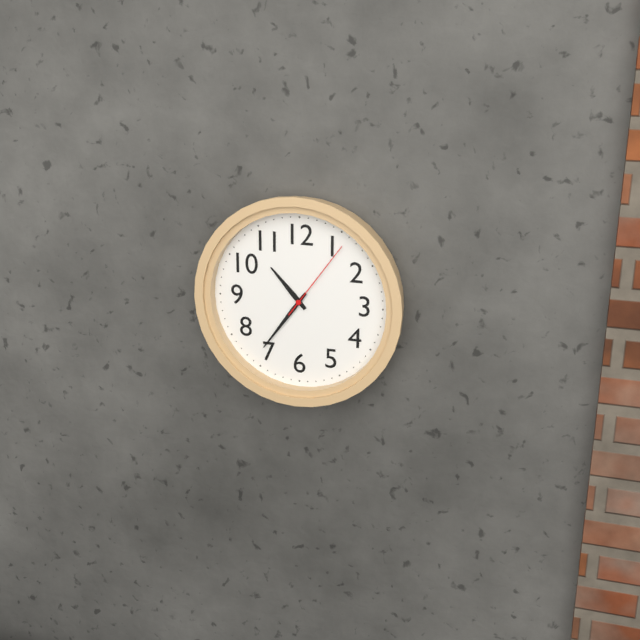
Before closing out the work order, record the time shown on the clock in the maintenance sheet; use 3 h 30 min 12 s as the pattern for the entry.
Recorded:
10 h 36 min 06 s
